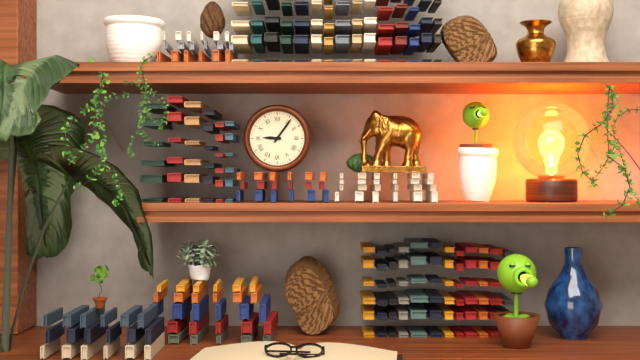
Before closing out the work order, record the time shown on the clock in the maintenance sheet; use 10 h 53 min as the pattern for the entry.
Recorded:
9 h 06 min
